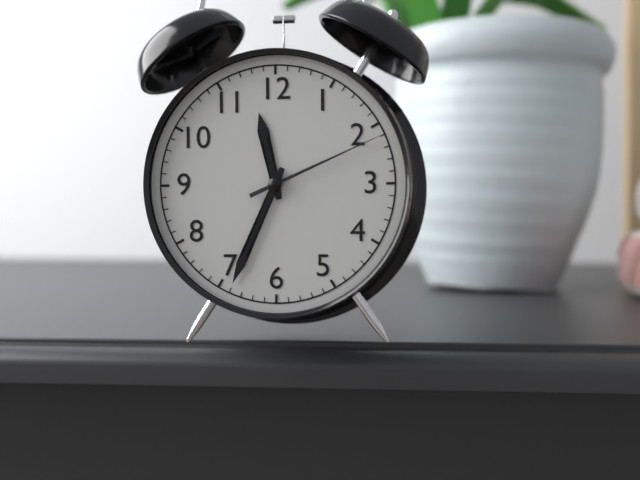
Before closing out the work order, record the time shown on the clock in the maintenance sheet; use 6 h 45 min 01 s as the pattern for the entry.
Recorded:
11 h 34 min 11 s
